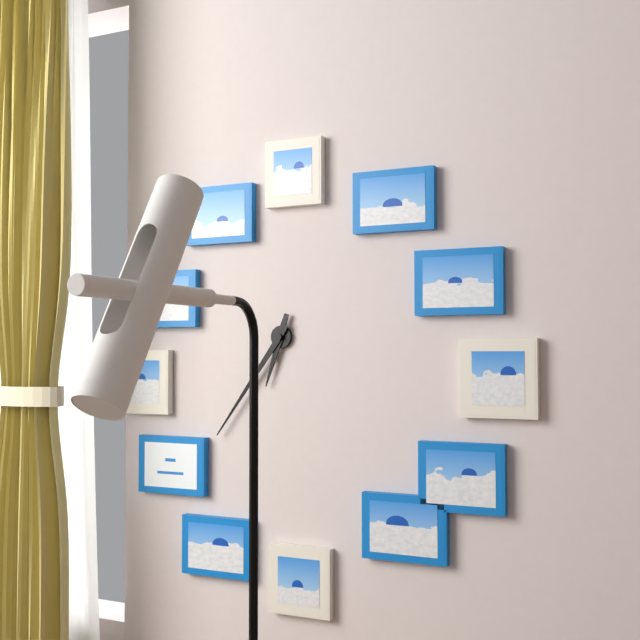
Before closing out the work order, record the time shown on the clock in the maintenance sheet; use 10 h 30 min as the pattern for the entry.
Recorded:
6 h 36 min
